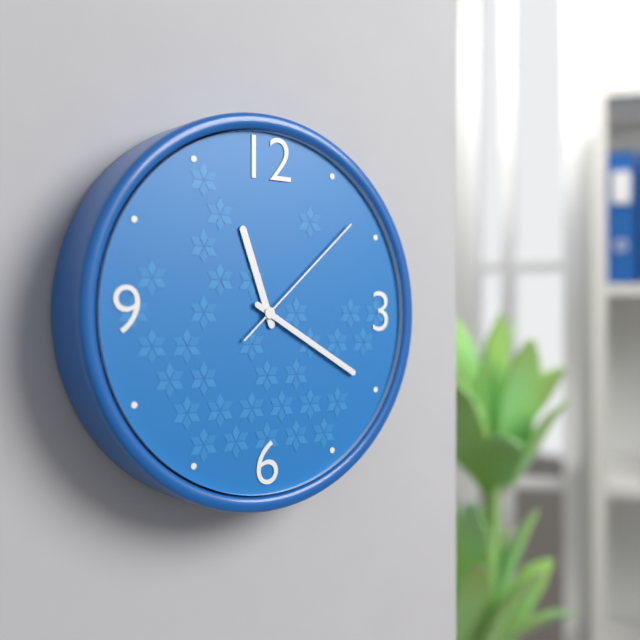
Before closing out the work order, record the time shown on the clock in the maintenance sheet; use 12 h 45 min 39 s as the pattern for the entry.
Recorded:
11 h 20 min 08 s
